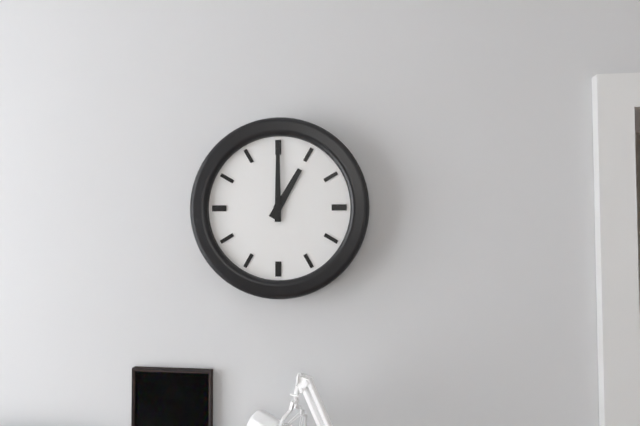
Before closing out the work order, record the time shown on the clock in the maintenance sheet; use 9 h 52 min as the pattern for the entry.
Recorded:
1 h 00 min
